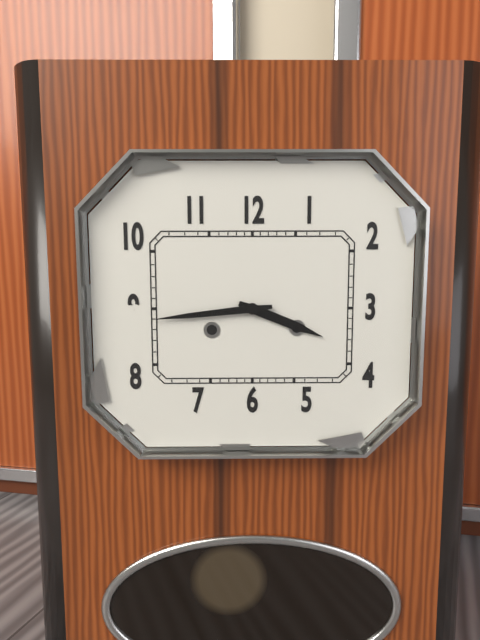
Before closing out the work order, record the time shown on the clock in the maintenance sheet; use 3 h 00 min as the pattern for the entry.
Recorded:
3 h 44 min
